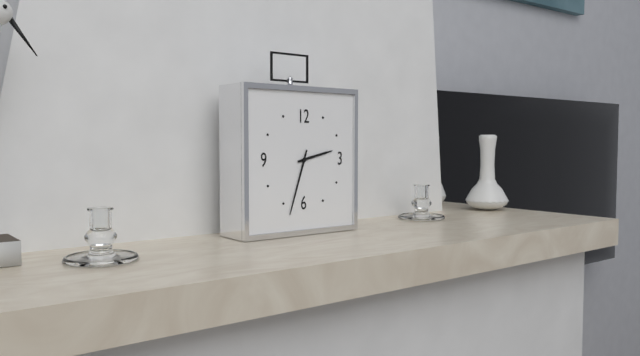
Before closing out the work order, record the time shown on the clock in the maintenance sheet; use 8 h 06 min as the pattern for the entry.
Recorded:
2 h 33 min
